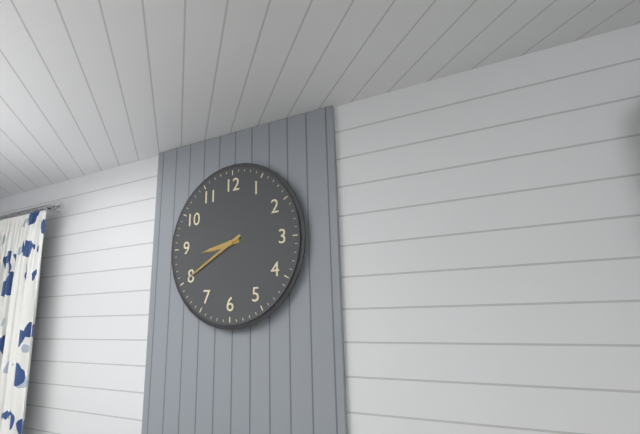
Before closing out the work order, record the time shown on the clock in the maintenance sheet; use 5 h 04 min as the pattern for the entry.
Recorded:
8 h 40 min
